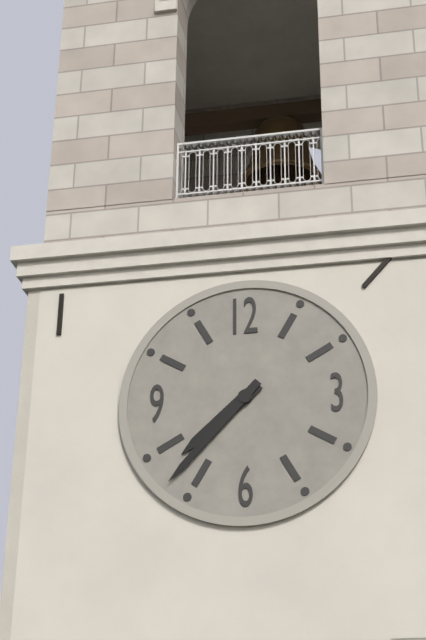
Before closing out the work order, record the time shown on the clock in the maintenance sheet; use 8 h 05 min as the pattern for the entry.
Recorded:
7 h 37 min
